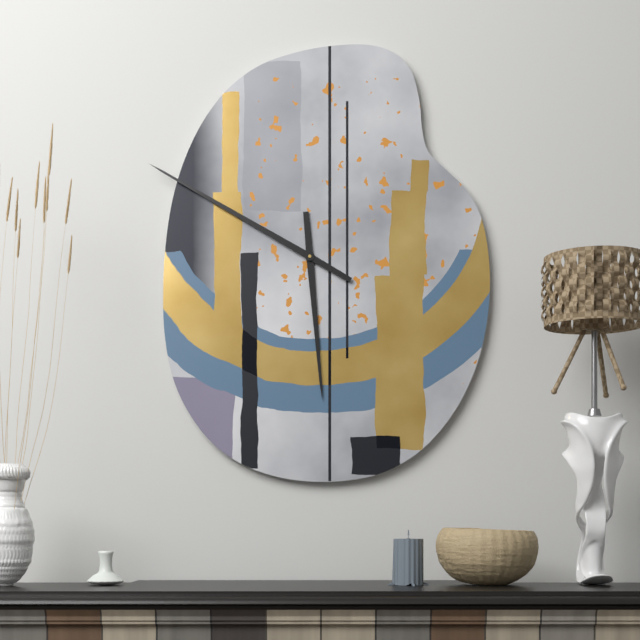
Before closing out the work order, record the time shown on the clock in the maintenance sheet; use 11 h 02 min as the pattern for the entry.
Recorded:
5 h 50 min
